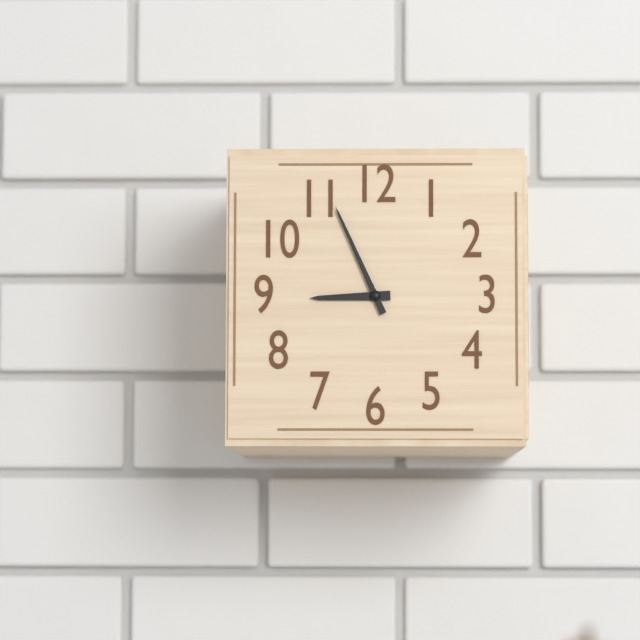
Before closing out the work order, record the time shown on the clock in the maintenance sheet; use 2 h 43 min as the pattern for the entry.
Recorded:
8 h 56 min
